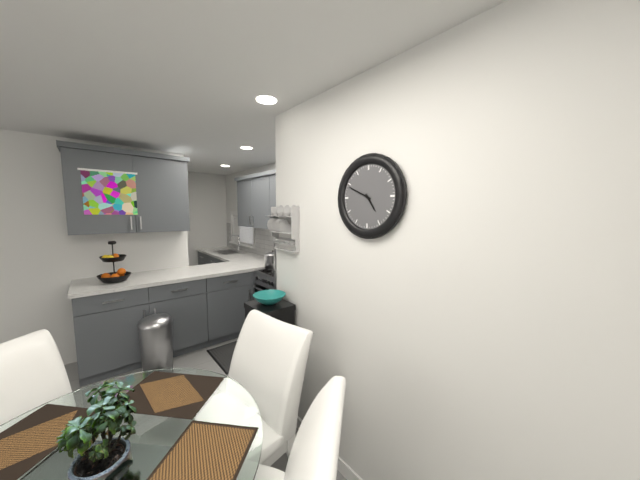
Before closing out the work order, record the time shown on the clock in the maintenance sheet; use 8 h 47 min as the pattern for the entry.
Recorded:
4 h 49 min
